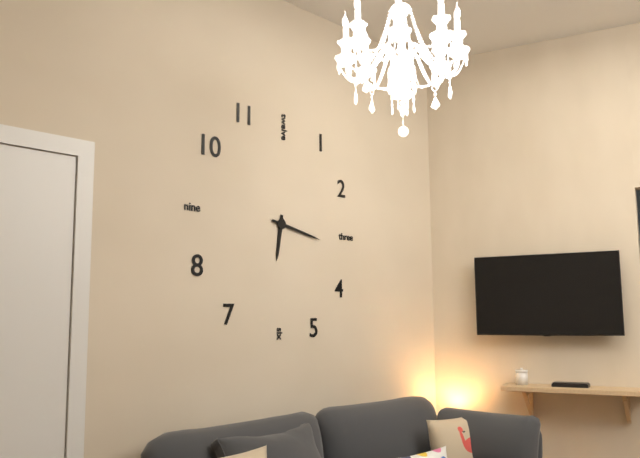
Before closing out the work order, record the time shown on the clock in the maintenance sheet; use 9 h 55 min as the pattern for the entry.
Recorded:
6 h 17 min
